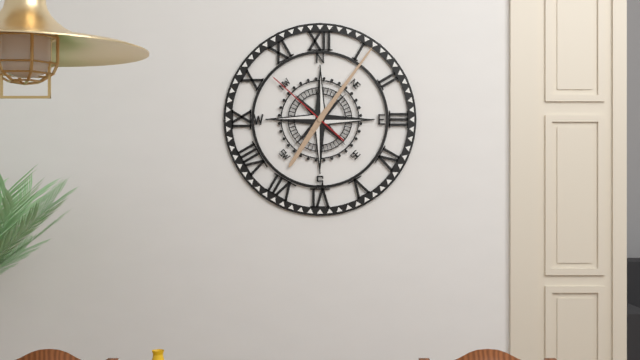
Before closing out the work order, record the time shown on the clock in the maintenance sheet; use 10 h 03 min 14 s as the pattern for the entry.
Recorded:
7 h 06 min 52 s
